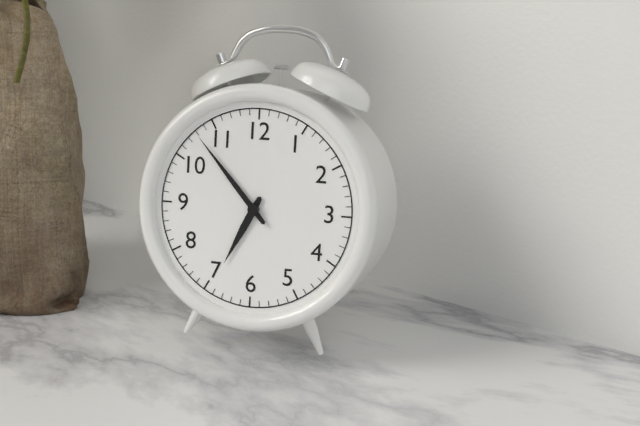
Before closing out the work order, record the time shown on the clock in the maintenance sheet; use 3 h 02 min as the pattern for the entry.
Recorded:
6 h 53 min
